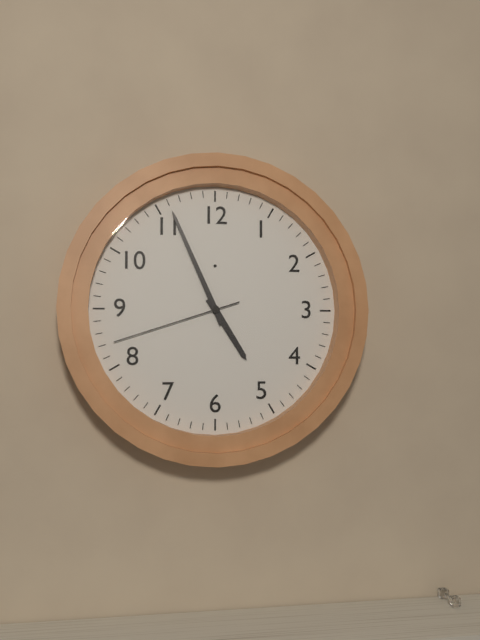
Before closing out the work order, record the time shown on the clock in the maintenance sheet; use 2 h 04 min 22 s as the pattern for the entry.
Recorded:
4 h 56 min 42 s
